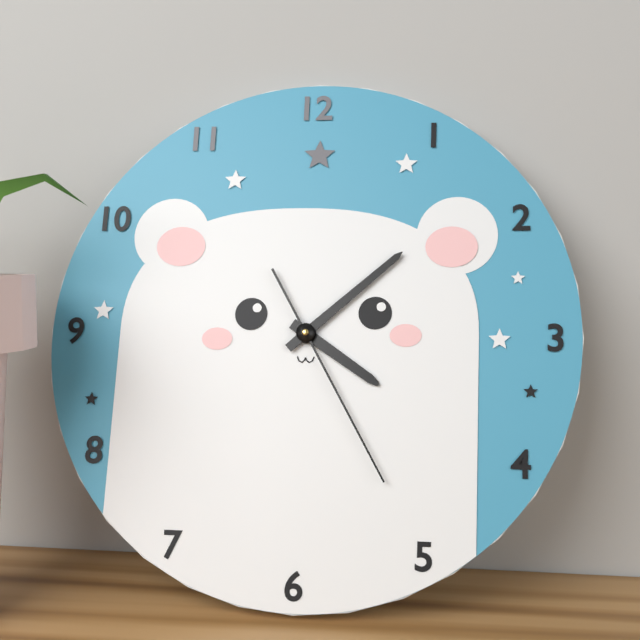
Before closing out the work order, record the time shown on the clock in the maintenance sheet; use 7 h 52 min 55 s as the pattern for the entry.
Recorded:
4 h 08 min 25 s
